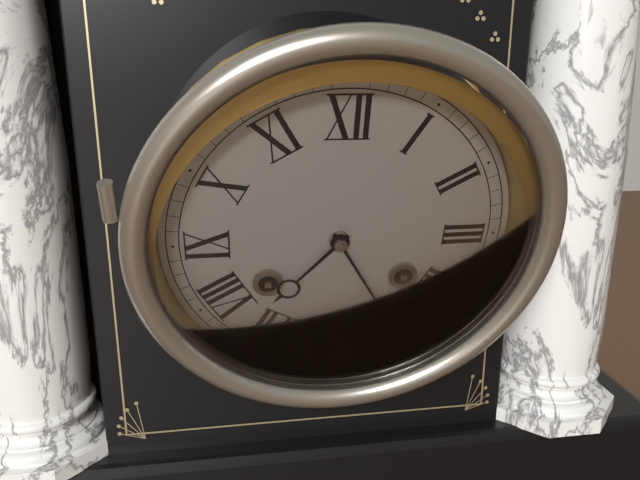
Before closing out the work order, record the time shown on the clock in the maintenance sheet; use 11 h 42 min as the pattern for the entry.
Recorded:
7 h 25 min
